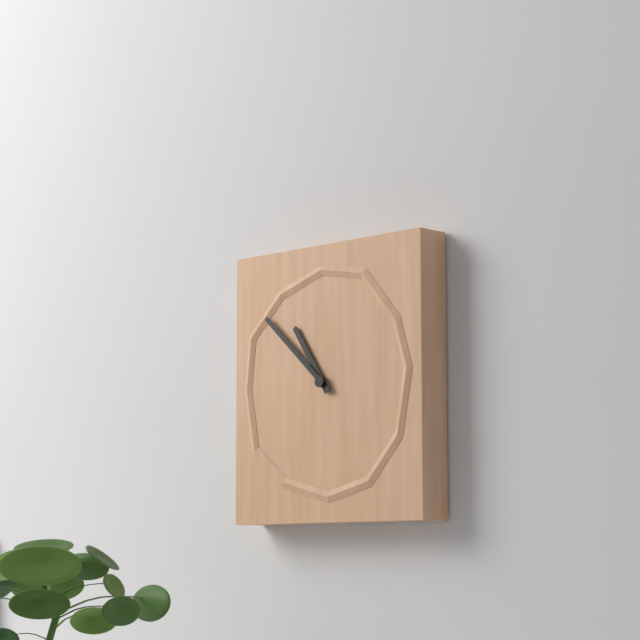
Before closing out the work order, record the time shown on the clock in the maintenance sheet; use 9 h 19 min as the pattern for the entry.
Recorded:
10 h 52 min
